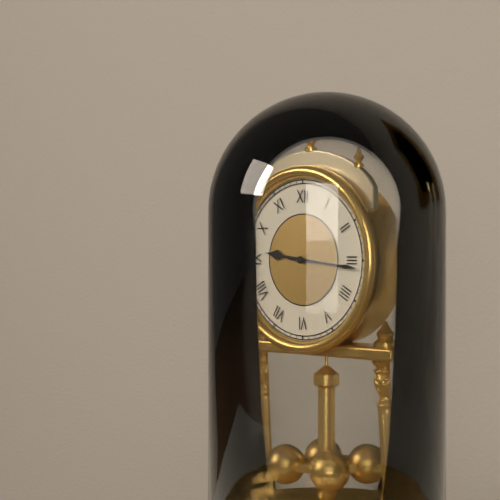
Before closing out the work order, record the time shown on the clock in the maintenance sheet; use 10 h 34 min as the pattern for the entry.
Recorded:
9 h 16 min
